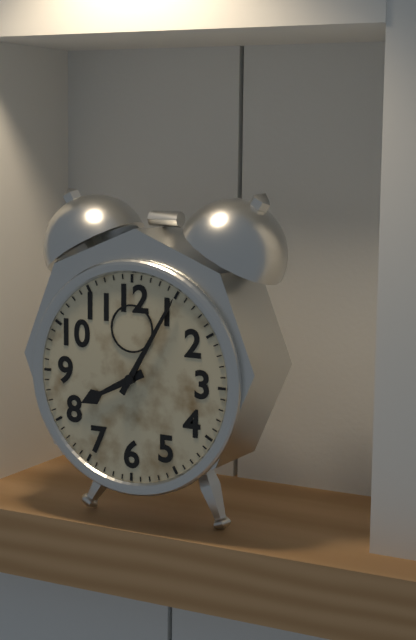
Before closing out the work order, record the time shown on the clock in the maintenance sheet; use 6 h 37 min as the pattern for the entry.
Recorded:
8 h 05 min
